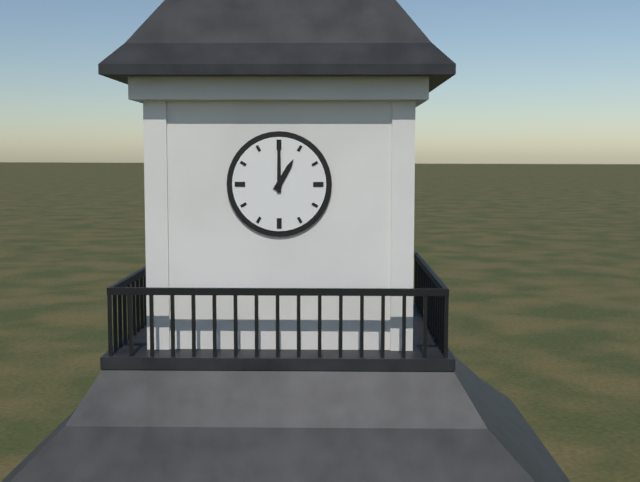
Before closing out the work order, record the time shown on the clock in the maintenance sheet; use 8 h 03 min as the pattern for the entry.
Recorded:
1 h 00 min
